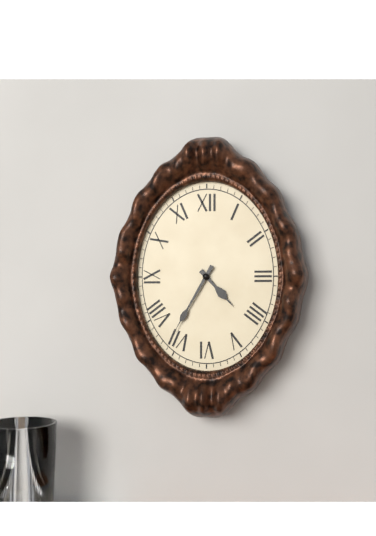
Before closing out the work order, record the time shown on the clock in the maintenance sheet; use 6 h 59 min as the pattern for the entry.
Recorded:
4 h 35 min
